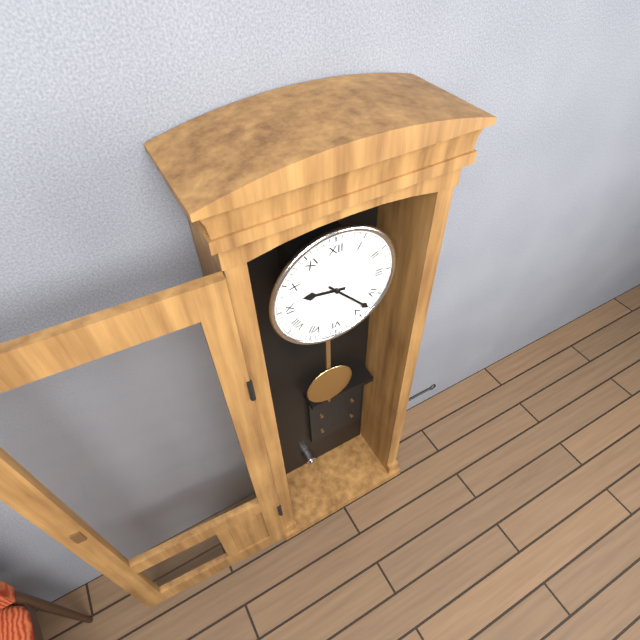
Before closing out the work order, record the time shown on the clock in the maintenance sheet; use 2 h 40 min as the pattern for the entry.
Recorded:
9 h 23 min
